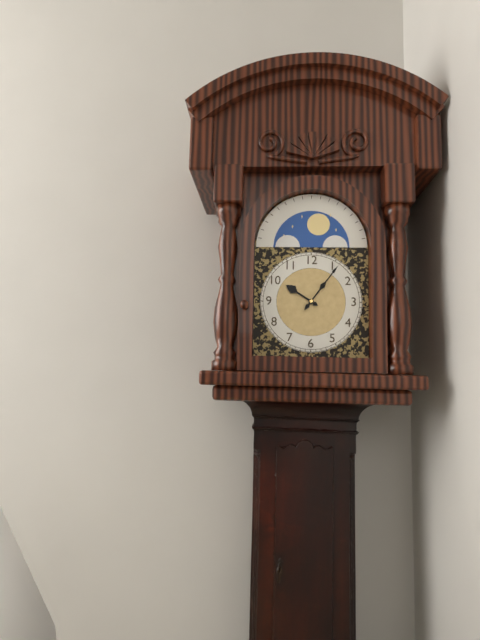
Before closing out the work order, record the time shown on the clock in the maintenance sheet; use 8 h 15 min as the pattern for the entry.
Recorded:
10 h 06 min
